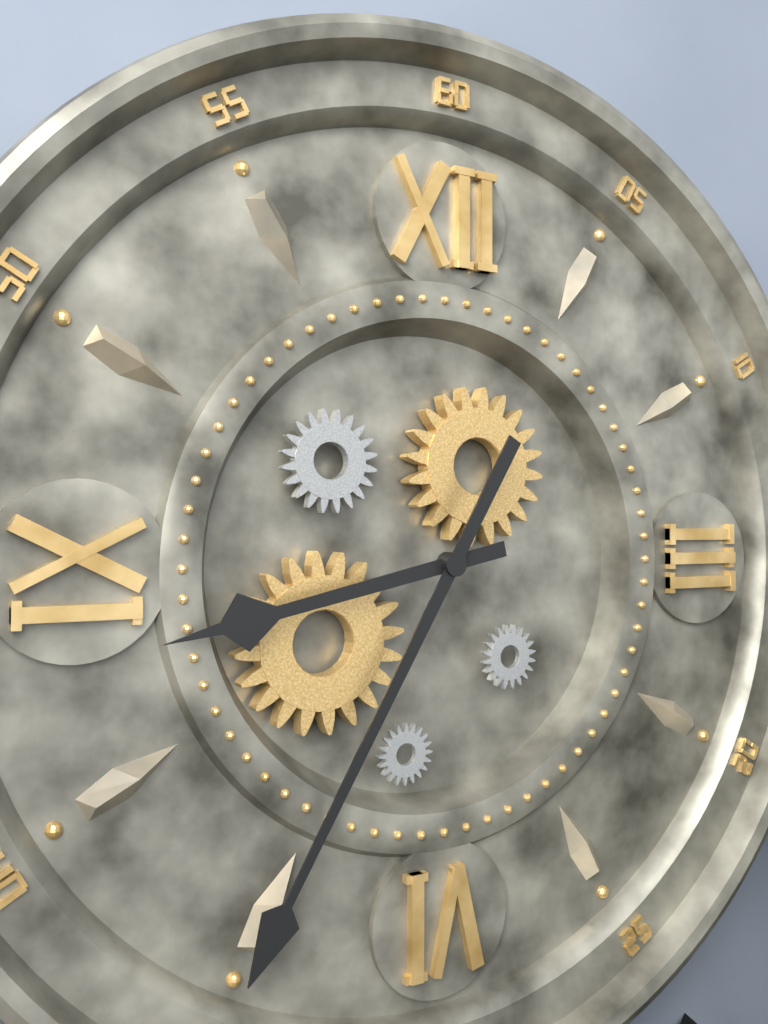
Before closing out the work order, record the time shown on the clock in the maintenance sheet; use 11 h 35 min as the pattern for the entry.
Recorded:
8 h 35 min
